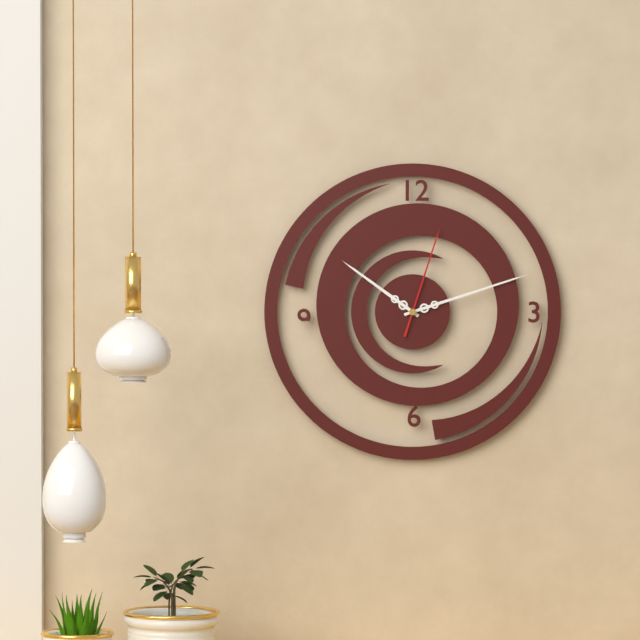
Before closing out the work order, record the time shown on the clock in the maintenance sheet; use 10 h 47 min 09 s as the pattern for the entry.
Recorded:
10 h 12 min 03 s
